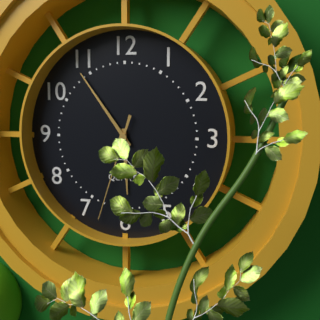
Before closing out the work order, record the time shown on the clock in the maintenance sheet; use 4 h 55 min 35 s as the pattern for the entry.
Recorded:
5 h 54 min 33 s
